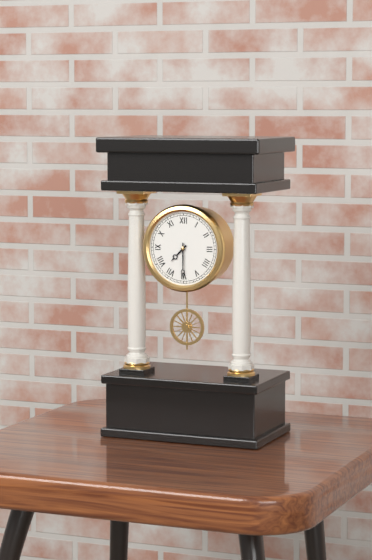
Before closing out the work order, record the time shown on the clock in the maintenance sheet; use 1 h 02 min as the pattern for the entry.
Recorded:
7 h 30 min
